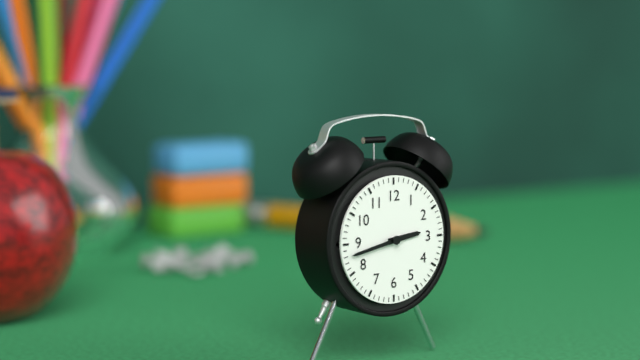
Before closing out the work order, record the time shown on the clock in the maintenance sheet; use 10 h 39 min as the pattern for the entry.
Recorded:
2 h 43 min
